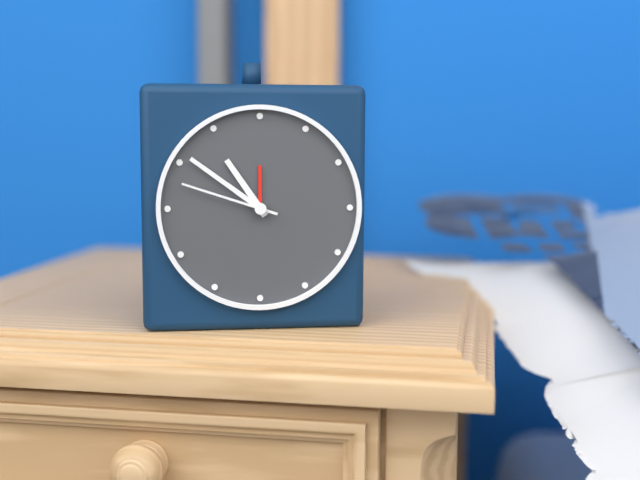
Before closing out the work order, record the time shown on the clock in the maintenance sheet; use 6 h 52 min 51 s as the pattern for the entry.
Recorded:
10 h 51 min 48 s
